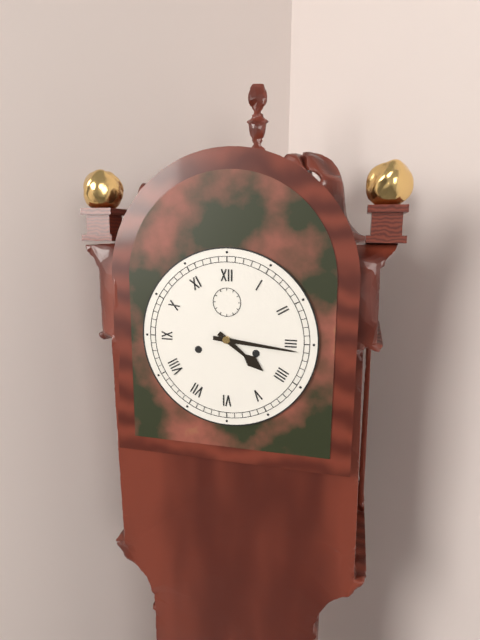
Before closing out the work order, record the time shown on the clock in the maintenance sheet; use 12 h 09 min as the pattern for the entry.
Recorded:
4 h 16 min
